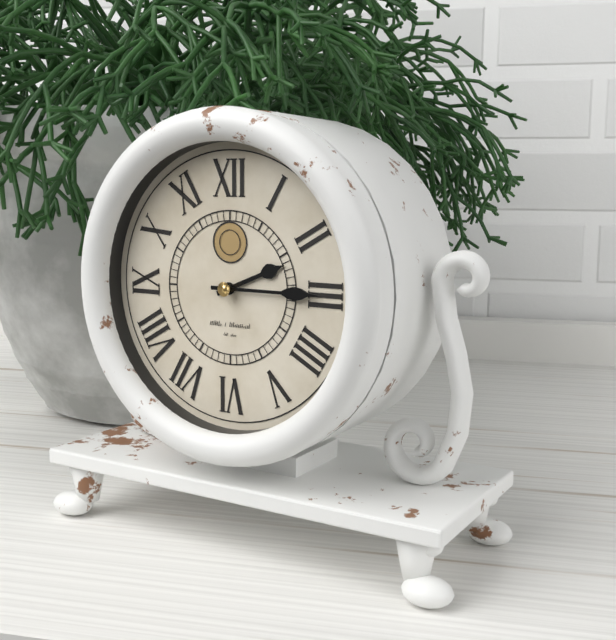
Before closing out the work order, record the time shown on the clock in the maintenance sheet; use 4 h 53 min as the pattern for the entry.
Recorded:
2 h 15 min
